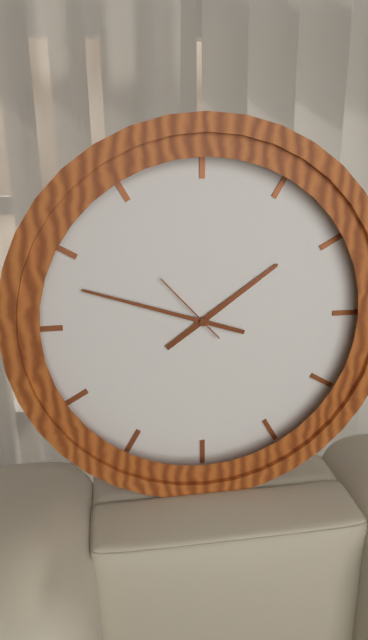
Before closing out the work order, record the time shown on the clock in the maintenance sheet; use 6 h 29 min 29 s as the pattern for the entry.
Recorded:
1 h 48 min 53 s
